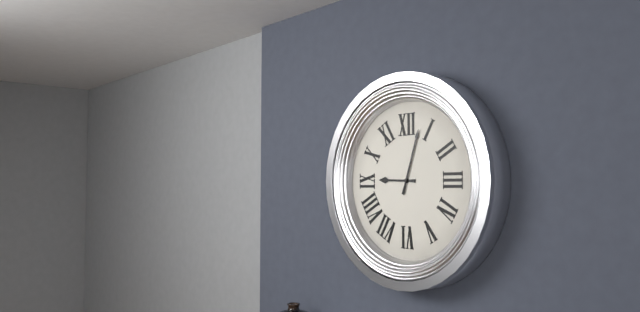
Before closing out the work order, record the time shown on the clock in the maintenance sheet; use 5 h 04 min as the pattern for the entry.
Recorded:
9 h 03 min
